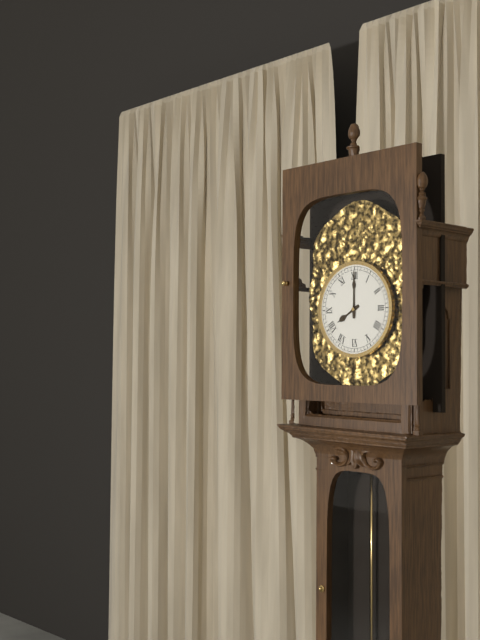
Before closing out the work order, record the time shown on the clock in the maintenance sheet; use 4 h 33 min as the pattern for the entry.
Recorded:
8 h 00 min
